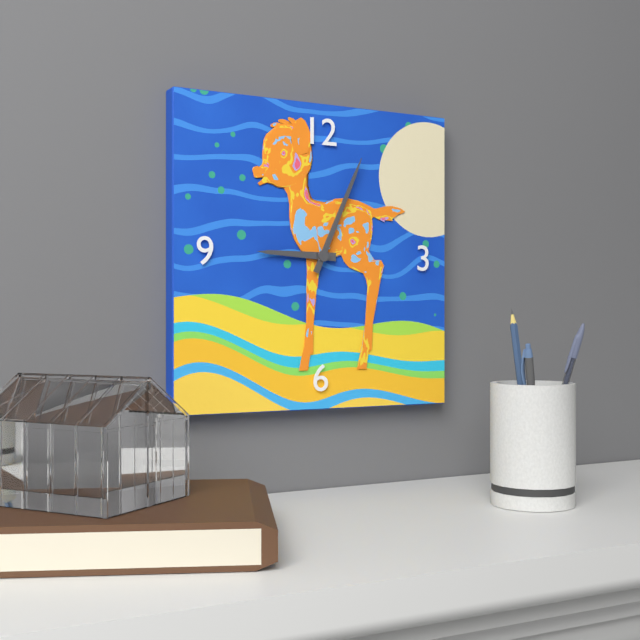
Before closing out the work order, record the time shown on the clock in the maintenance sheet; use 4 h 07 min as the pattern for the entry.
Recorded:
9 h 04 min
